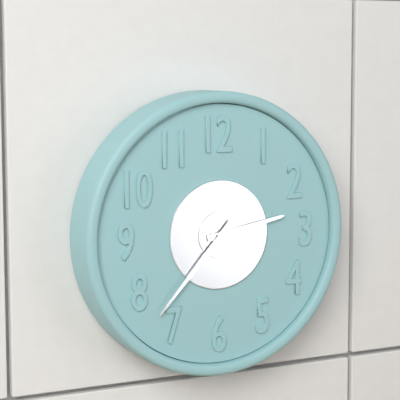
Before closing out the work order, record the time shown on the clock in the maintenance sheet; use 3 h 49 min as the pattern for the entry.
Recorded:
2 h 37 min
